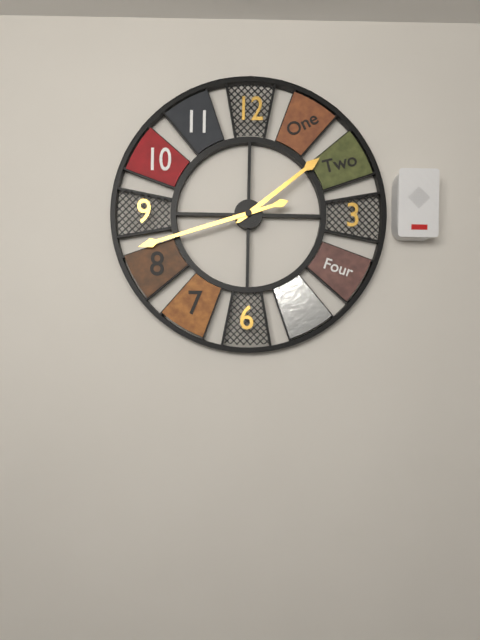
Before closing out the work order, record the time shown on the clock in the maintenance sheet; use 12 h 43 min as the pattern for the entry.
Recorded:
1 h 42 min
